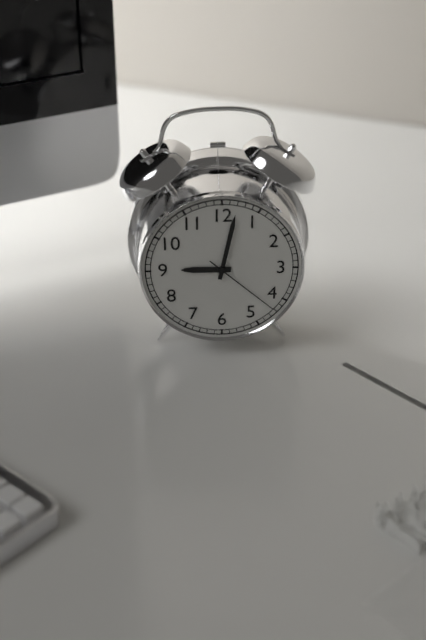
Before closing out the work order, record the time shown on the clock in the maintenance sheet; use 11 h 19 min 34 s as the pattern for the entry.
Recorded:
9 h 02 min 22 s
